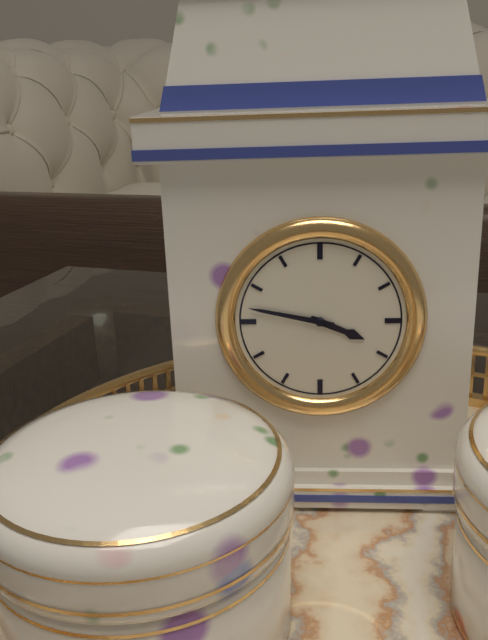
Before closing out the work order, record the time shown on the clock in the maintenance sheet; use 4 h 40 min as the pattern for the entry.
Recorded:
3 h 47 min
